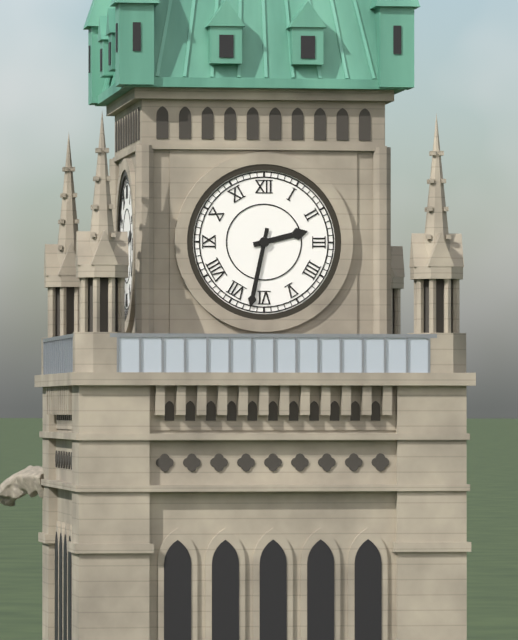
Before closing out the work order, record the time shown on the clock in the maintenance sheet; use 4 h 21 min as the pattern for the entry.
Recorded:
2 h 32 min
